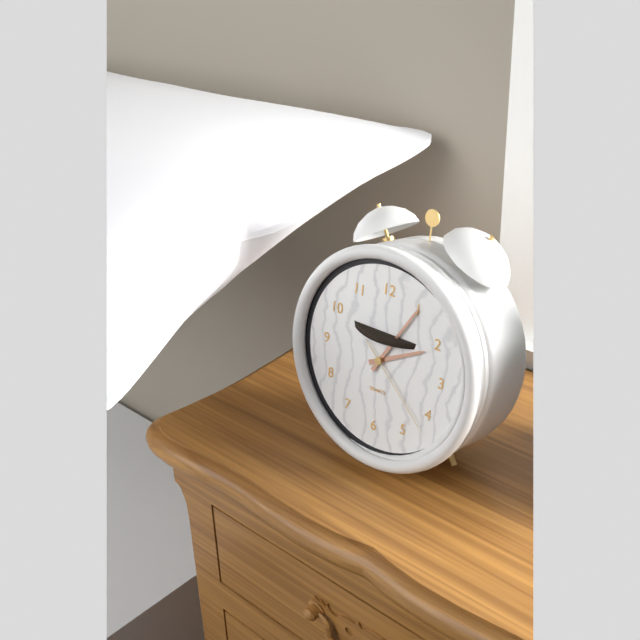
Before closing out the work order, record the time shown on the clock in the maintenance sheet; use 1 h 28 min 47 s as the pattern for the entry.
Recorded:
2 h 05 min 22 s
